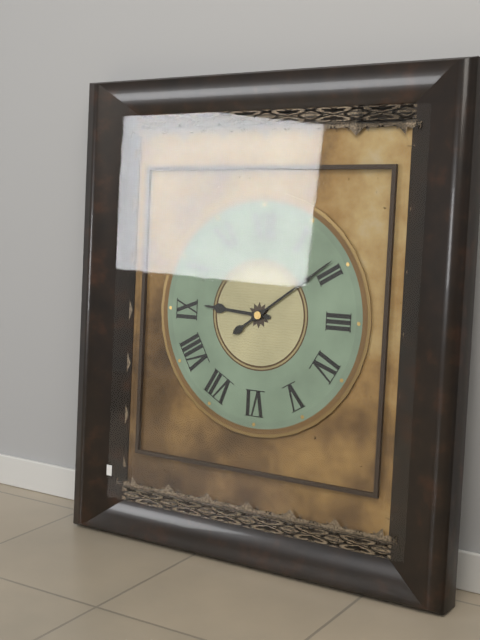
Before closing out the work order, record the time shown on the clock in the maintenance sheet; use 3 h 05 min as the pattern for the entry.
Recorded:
9 h 09 min
